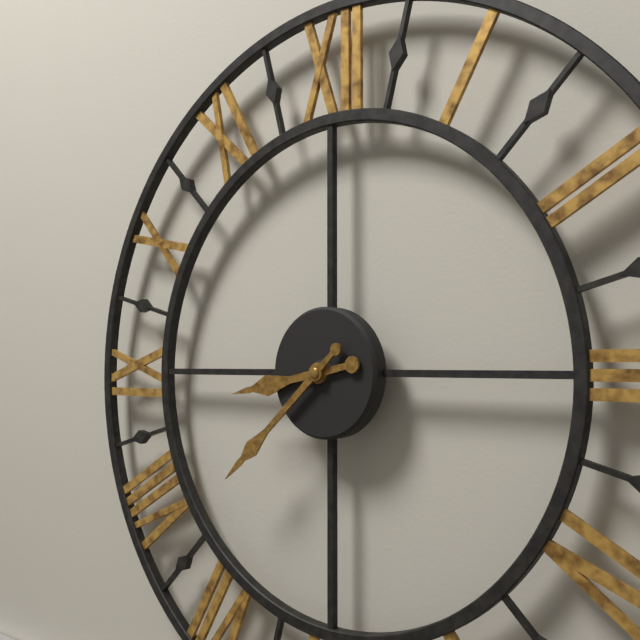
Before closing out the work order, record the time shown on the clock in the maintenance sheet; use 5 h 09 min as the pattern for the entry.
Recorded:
8 h 38 min
